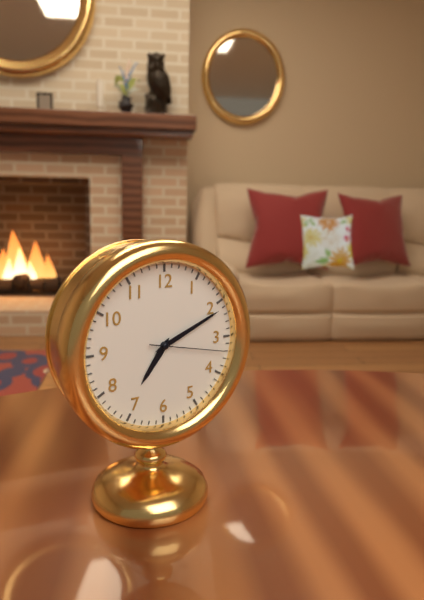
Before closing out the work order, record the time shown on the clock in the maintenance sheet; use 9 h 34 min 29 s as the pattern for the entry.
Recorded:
7 h 11 min 17 s
